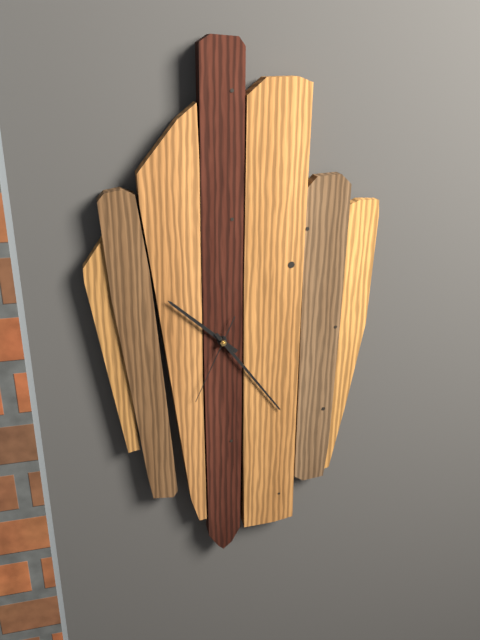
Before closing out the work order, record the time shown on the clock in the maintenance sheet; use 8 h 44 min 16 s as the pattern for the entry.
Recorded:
10 h 24 min 34 s
